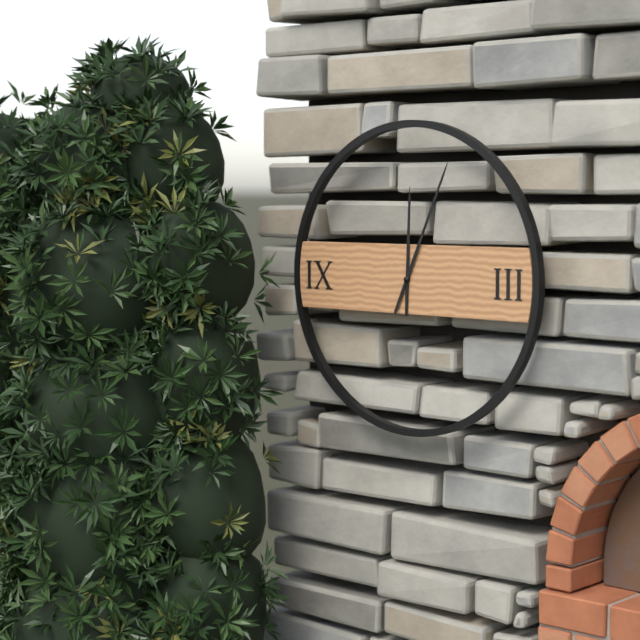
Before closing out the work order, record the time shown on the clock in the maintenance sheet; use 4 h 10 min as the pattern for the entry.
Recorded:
12 h 04 min
